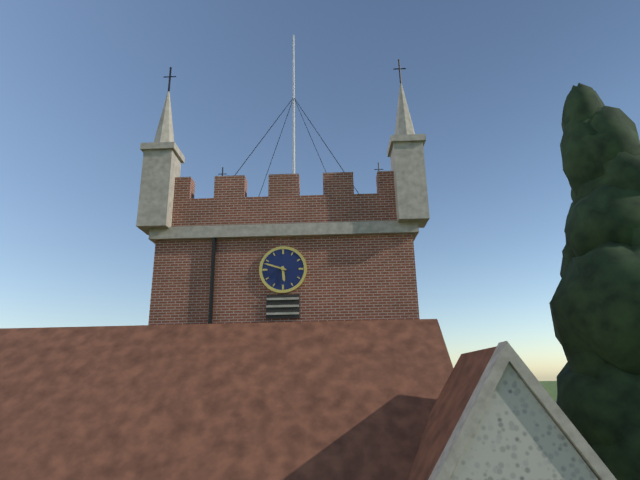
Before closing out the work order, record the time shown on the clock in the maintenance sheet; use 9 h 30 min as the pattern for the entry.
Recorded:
5 h 48 min
